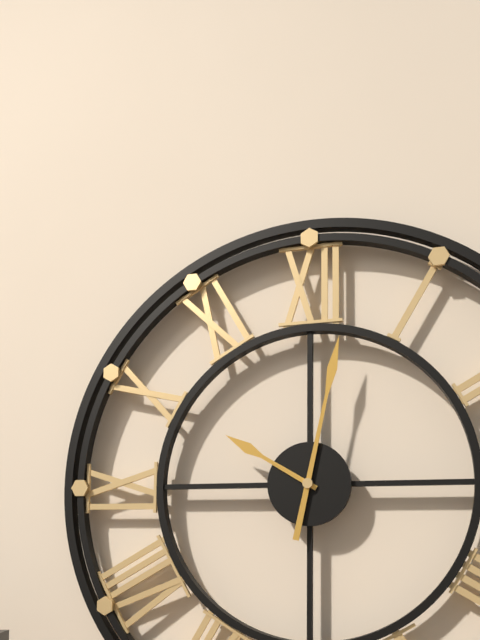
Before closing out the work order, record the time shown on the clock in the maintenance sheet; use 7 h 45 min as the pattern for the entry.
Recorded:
10 h 02 min
